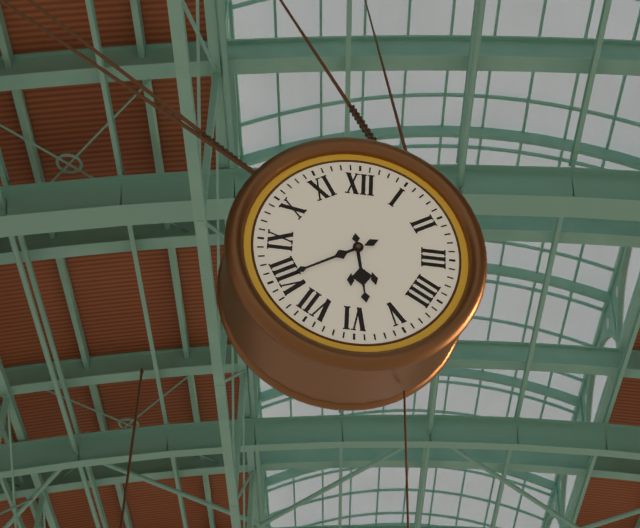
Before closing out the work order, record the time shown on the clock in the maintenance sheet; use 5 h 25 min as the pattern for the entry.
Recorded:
5 h 40 min
